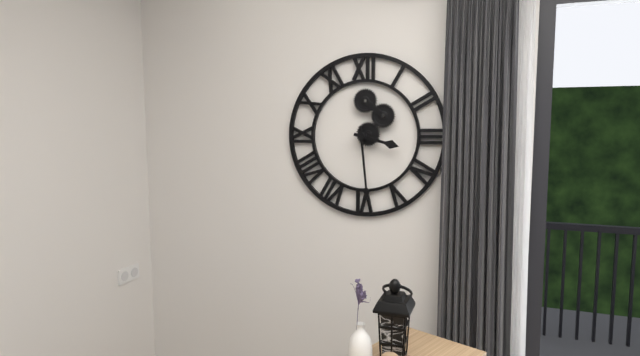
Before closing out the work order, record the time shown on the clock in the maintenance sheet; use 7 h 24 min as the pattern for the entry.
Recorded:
3 h 29 min
